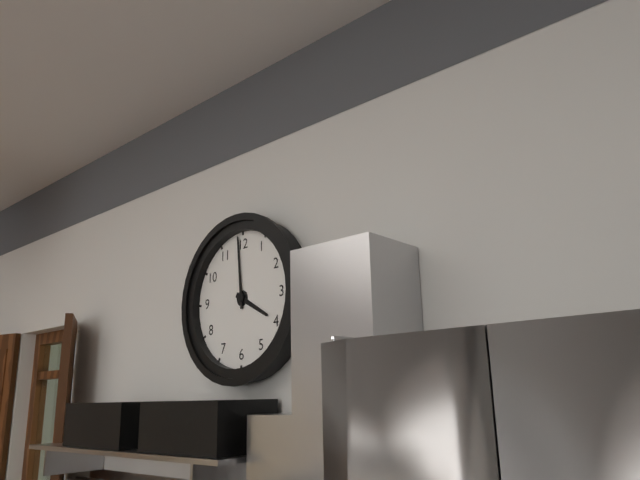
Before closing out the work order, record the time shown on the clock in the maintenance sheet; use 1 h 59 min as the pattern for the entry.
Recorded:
3 h 59 min
